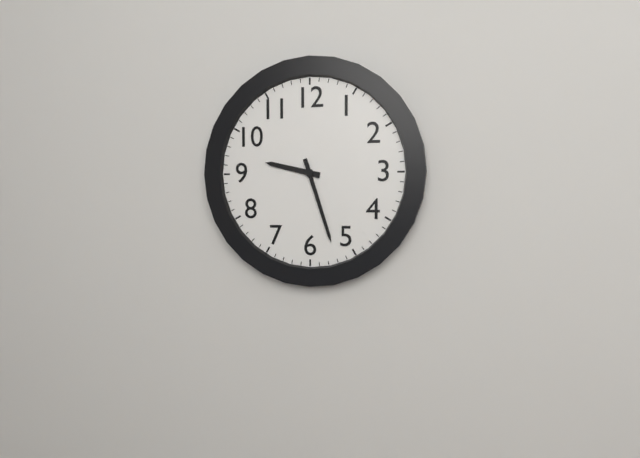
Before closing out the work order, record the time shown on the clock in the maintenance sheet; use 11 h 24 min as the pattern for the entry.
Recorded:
9 h 27 min
